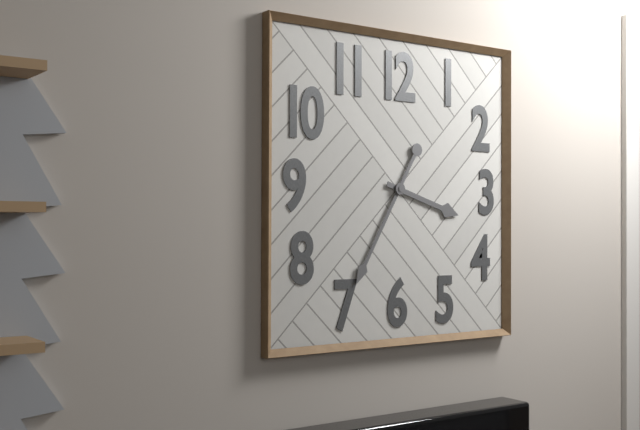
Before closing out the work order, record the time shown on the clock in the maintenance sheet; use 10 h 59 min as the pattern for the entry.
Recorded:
3 h 35 min
